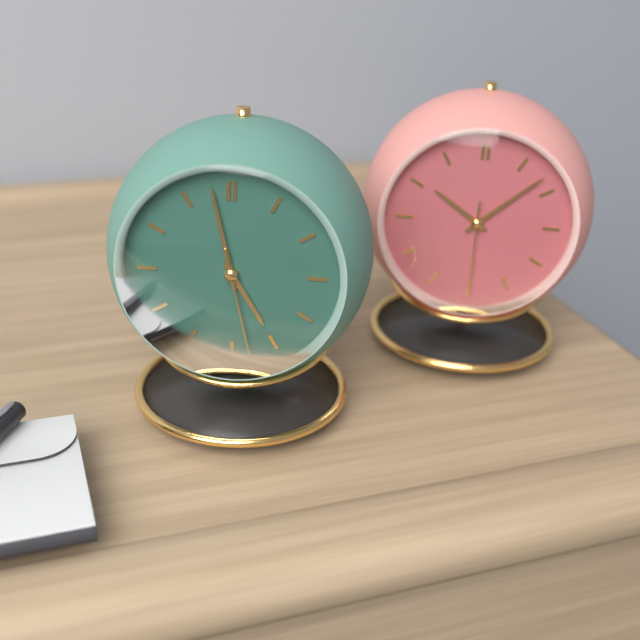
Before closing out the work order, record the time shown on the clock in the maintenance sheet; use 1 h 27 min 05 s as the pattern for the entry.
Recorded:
4 h 58 min 28 s
